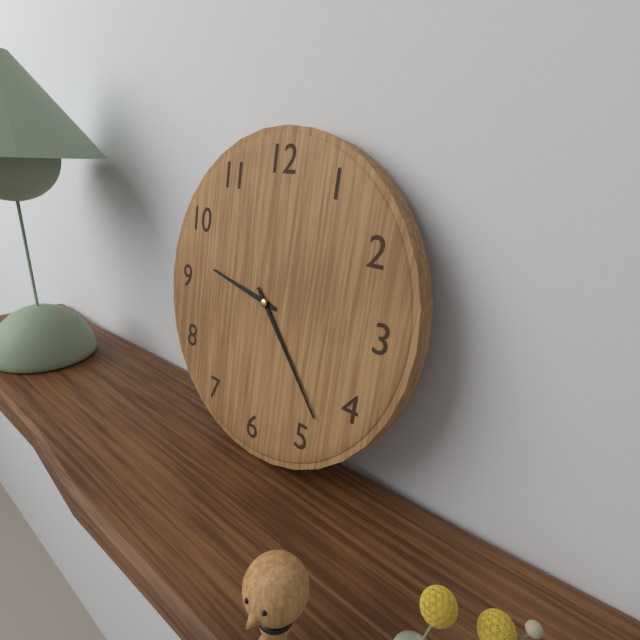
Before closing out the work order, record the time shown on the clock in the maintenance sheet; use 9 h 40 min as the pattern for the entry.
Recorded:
9 h 23 min
